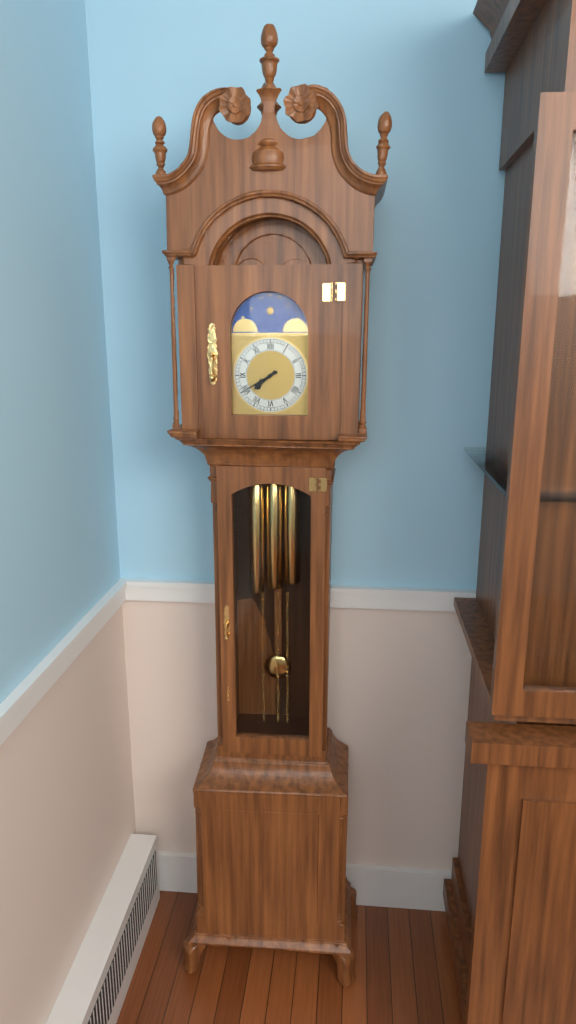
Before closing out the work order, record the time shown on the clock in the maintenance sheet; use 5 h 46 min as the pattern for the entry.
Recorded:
7 h 40 min
